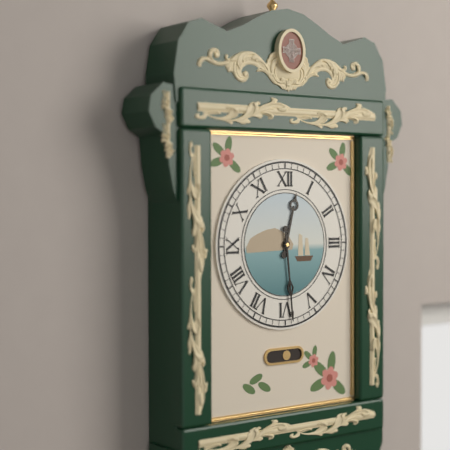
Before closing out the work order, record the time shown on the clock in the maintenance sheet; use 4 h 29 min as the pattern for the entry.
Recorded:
12 h 29 min
